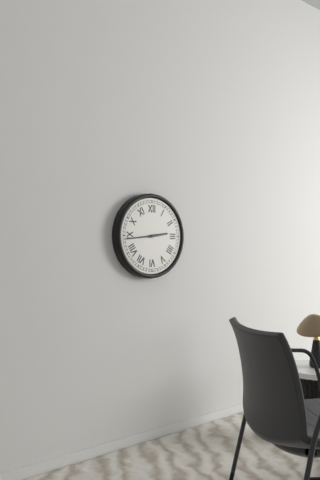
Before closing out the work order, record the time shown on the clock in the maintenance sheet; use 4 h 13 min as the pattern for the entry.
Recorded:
2 h 44 min
